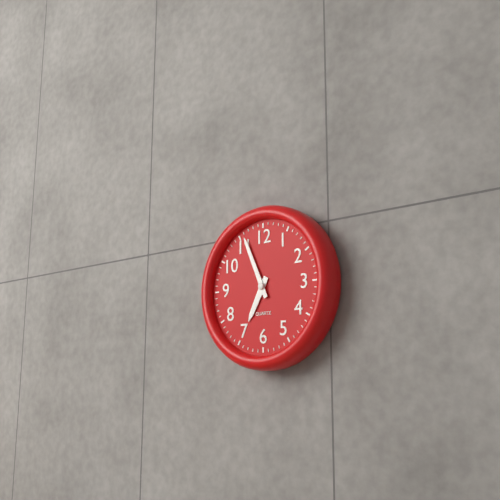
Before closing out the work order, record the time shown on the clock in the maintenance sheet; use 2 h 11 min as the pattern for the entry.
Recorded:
6 h 56 min
